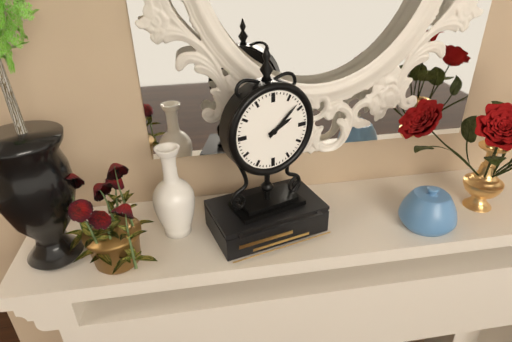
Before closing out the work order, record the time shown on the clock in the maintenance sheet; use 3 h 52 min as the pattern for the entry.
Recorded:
2 h 08 min
